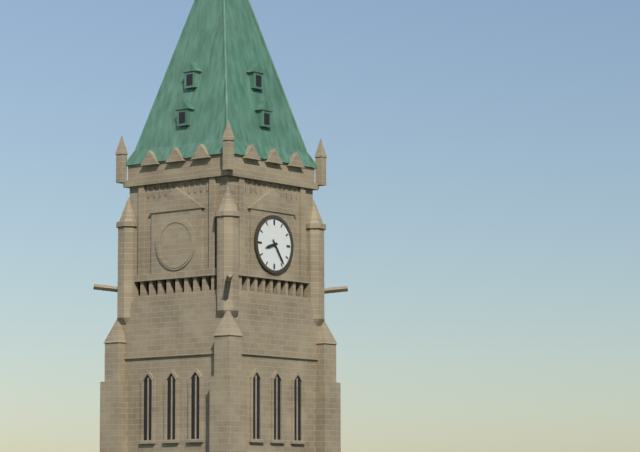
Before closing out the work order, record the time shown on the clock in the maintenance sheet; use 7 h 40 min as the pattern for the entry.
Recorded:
8 h 24 min
